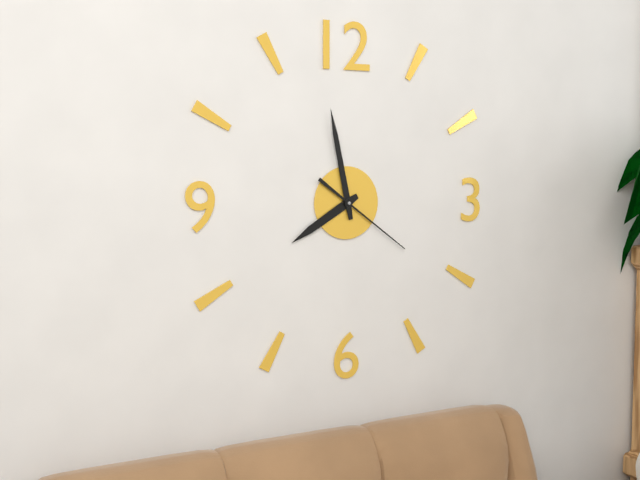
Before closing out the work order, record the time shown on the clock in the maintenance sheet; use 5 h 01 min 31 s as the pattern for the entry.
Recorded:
7 h 58 min 21 s
